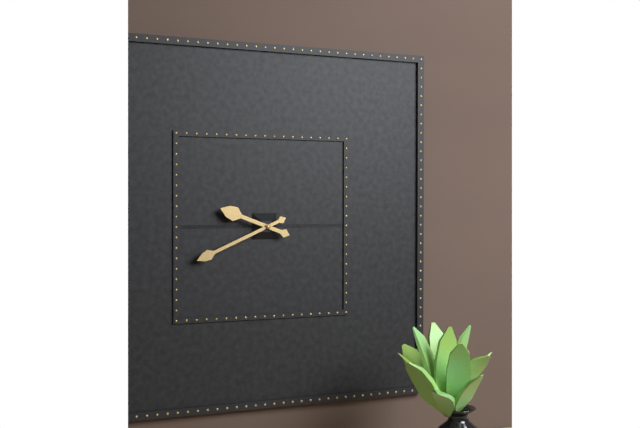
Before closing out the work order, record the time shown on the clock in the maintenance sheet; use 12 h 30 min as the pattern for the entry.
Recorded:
9 h 41 min
